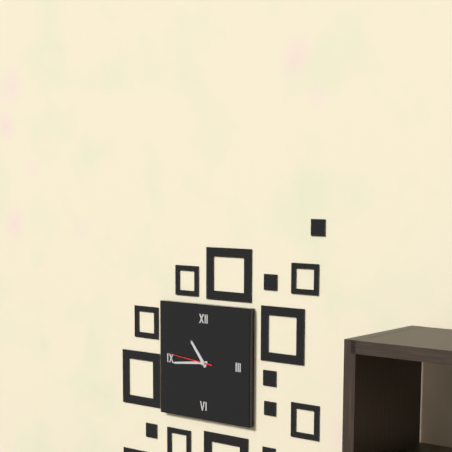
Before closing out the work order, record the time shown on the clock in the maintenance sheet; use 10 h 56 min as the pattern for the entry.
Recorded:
10 h 44 min
